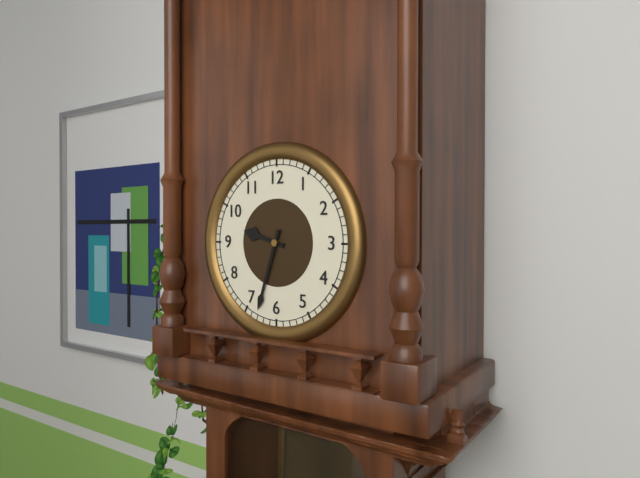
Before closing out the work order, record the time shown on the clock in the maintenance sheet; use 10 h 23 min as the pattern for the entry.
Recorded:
9 h 33 min
